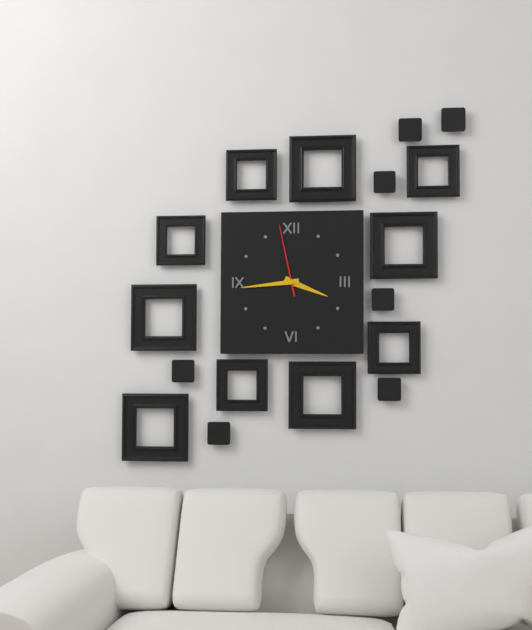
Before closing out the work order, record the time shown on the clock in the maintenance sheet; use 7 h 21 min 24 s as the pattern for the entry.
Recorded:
3 h 44 min 58 s
